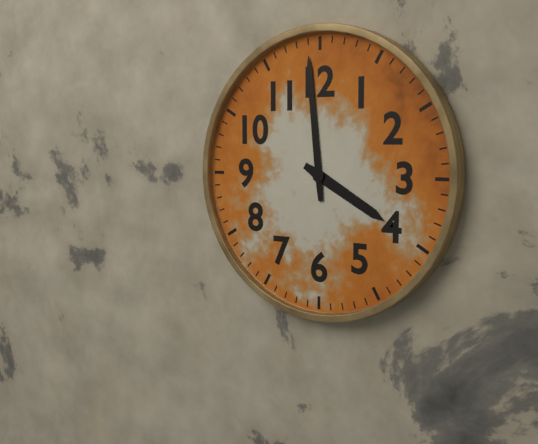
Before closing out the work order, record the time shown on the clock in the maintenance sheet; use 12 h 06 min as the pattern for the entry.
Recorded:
3 h 59 min
